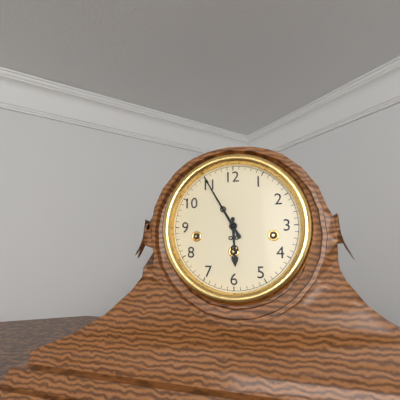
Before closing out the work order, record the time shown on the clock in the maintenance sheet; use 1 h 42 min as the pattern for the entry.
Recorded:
5 h 55 min
